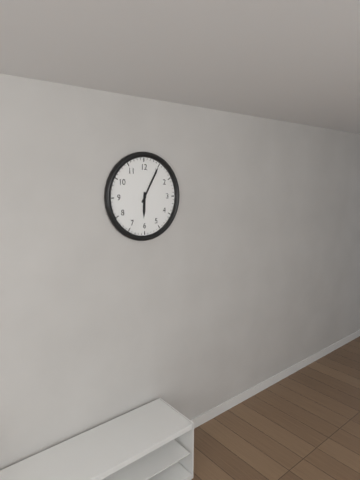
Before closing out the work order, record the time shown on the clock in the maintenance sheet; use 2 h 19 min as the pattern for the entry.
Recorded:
6 h 05 min
